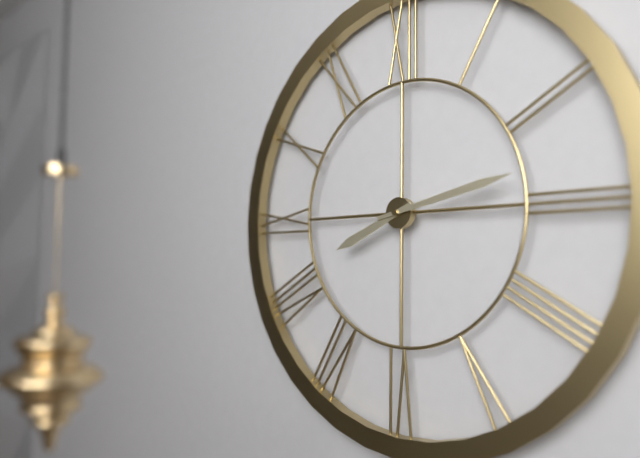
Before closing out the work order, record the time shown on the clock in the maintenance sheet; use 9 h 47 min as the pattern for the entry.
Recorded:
8 h 13 min
